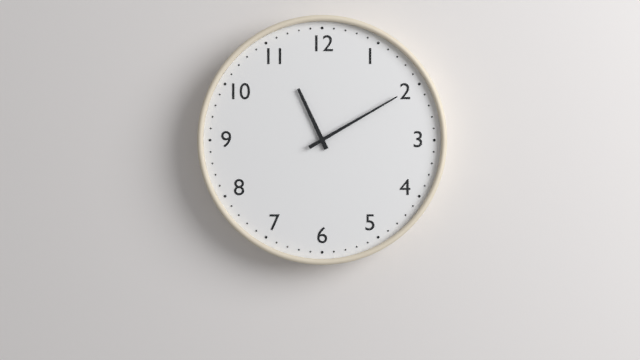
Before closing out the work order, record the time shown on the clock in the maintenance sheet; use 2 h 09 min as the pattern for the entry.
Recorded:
11 h 10 min
